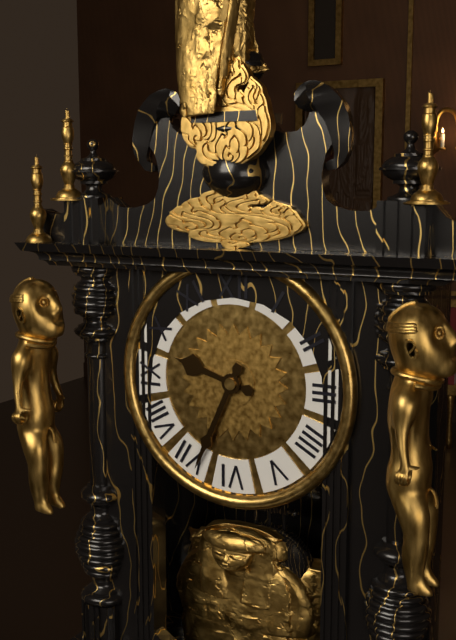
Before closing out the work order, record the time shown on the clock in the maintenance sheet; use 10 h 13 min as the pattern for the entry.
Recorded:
9 h 34 min
